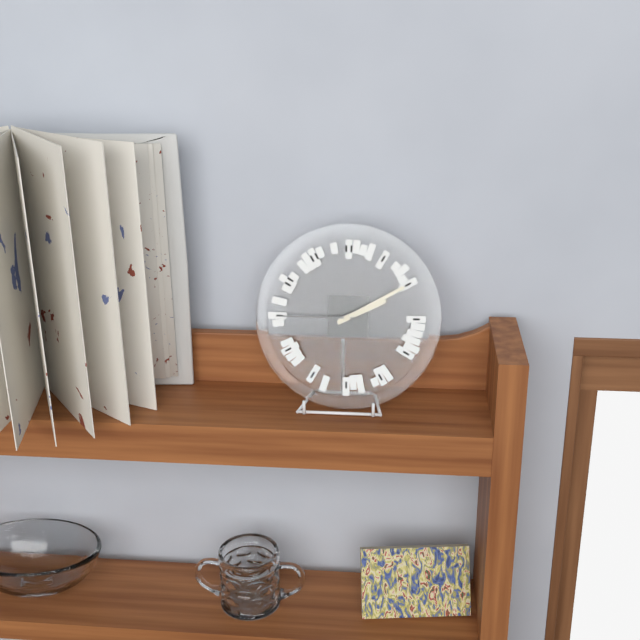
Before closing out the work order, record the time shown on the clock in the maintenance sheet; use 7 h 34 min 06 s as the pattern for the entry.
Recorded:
2 h 10 min 45 s
